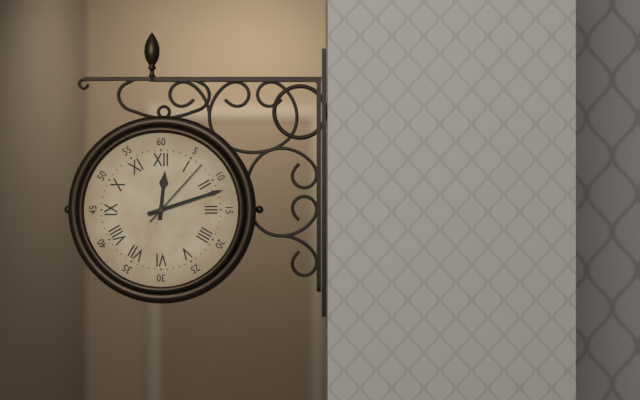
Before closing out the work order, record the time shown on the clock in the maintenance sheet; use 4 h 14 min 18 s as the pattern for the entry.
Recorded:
12 h 12 min 07 s
